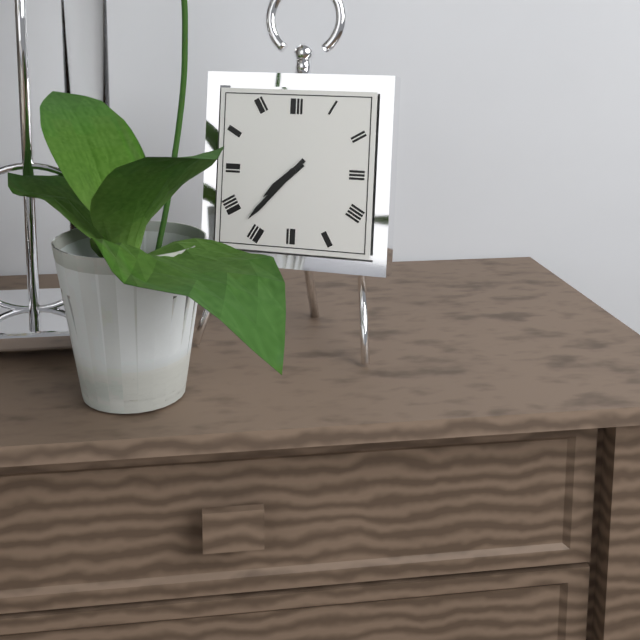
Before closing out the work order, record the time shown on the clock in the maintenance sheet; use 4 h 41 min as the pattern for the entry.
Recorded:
7 h 37 min
